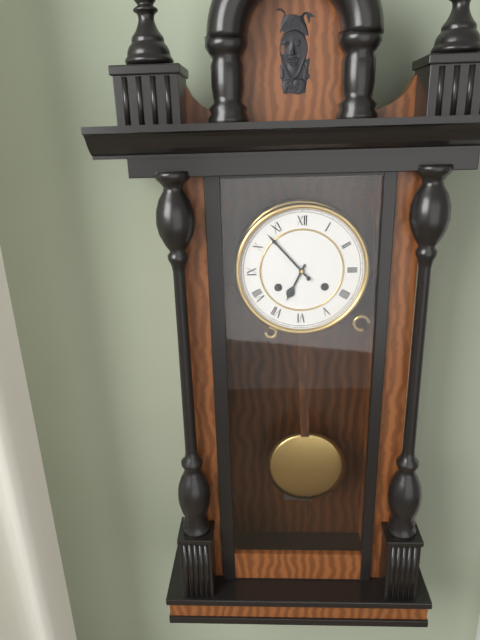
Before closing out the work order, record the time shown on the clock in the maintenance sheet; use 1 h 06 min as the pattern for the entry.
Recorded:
6 h 53 min
